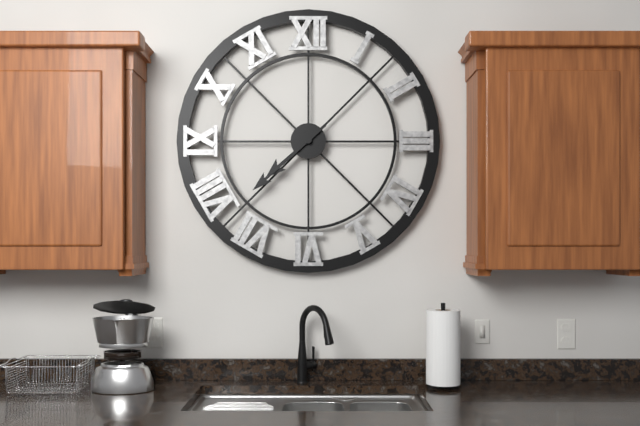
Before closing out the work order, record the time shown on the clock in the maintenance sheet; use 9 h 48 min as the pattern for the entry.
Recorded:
7 h 38 min
